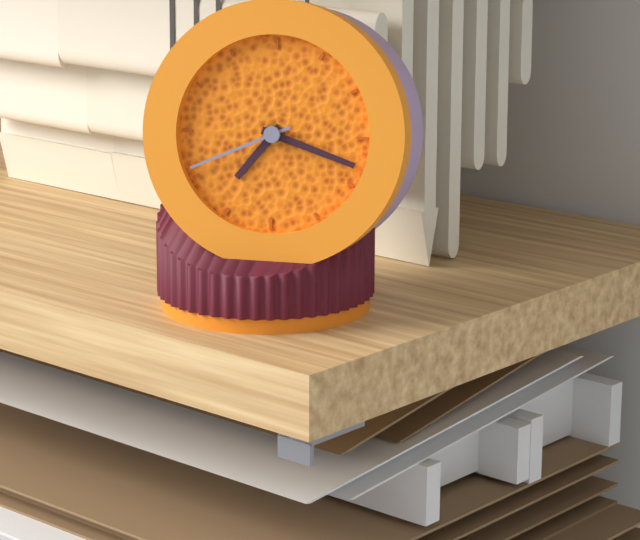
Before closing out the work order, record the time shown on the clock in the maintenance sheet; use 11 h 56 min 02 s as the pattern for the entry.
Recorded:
7 h 18 min 41 s
